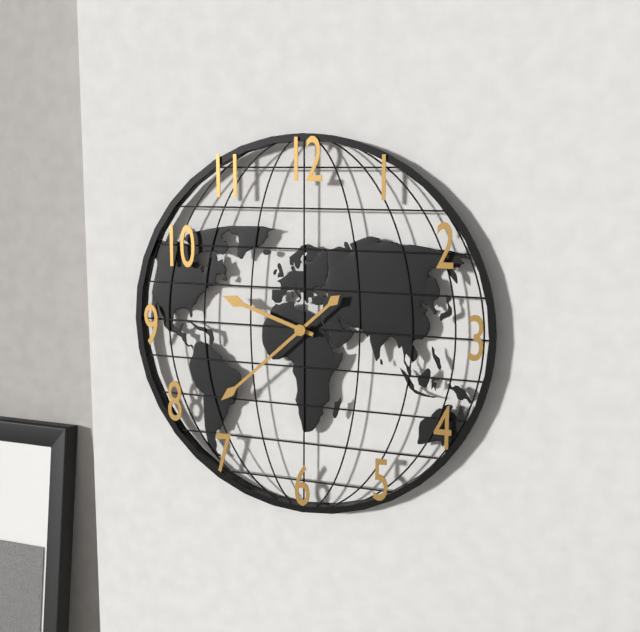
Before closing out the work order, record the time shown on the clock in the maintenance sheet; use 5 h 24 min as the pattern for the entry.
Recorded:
9 h 38 min
